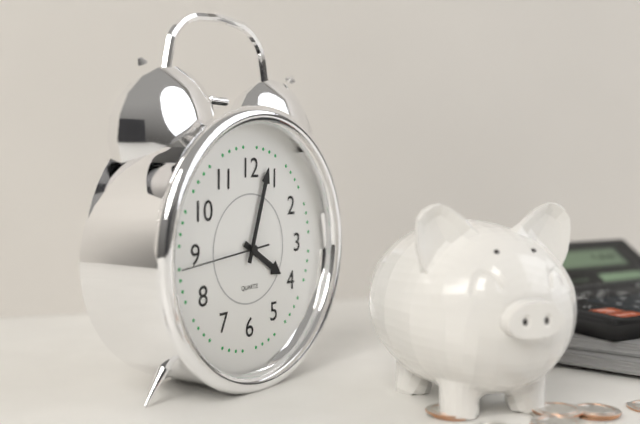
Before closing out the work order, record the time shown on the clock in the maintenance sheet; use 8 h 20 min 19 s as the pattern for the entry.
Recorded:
4 h 03 min 44 s
